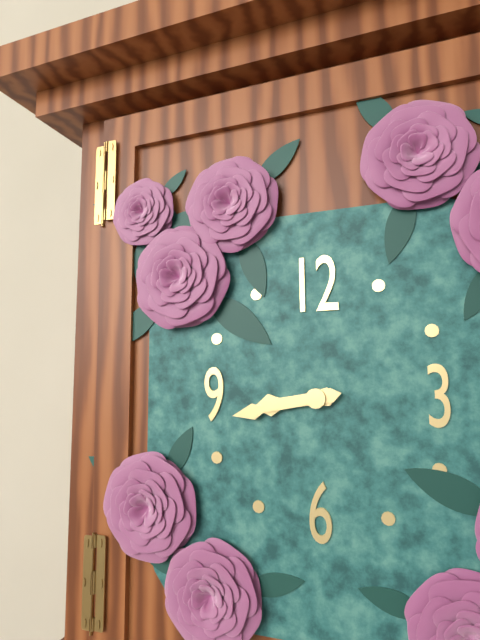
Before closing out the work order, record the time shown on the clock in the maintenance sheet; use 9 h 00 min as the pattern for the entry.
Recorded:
8 h 43 min
